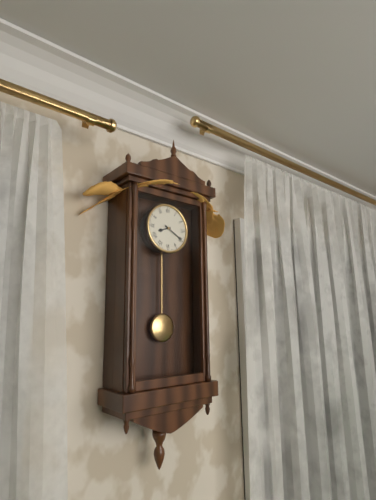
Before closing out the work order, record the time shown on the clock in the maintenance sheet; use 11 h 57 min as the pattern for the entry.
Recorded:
8 h 20 min
